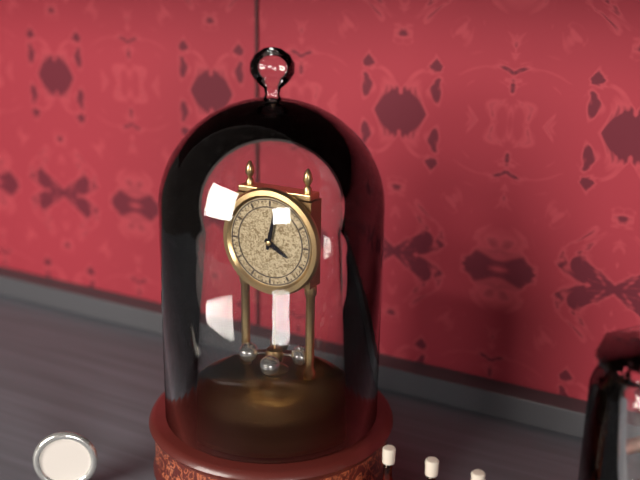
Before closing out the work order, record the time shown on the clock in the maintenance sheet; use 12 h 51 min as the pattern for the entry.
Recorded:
4 h 02 min
